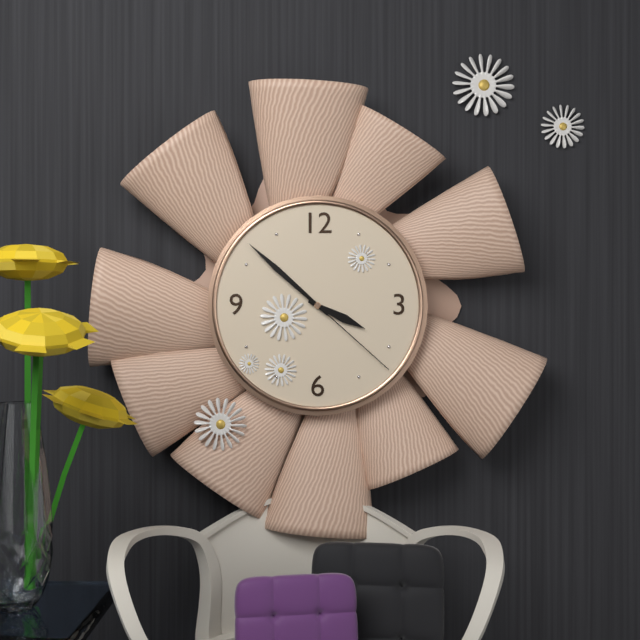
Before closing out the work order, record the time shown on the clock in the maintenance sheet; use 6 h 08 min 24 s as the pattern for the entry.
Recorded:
3 h 52 min 22 s
